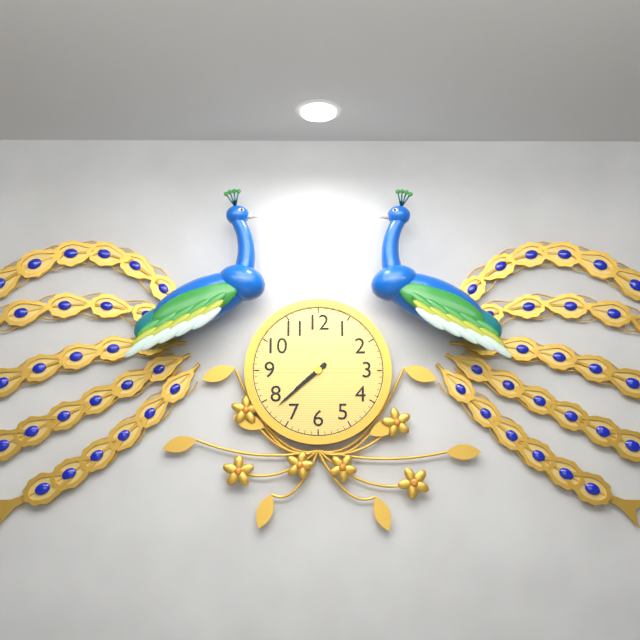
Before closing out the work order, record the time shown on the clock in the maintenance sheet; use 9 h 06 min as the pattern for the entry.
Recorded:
7 h 38 min
